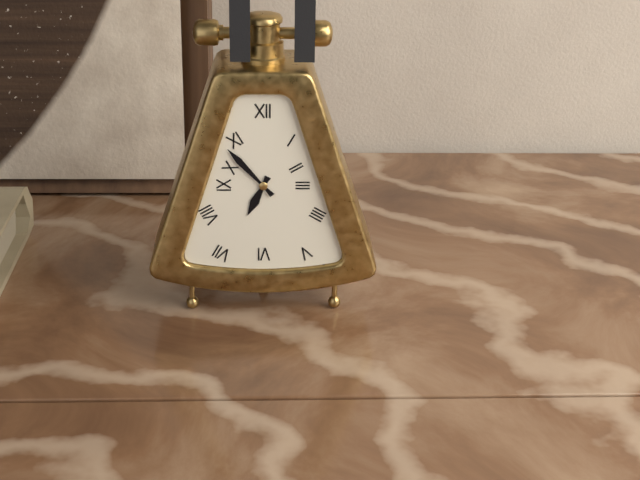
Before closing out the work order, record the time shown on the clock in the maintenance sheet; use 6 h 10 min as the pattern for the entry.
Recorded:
6 h 53 min
